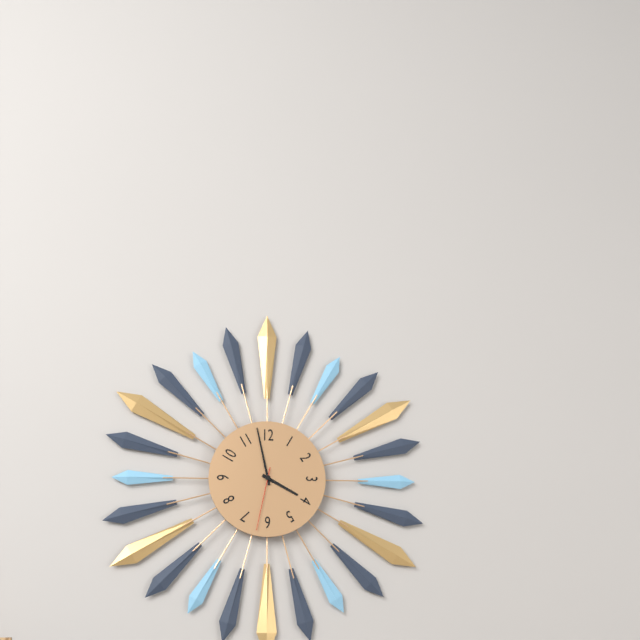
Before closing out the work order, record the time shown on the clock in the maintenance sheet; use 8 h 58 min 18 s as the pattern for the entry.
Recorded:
3 h 58 min 32 s
